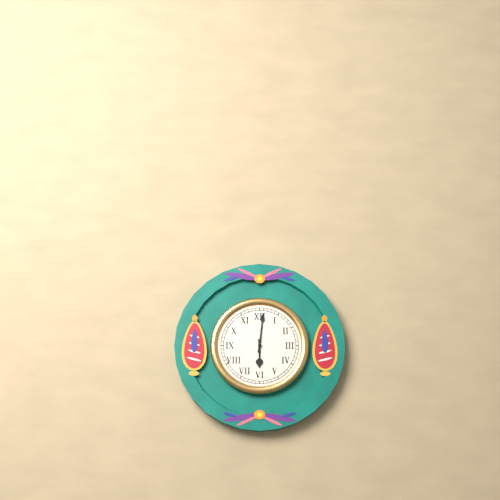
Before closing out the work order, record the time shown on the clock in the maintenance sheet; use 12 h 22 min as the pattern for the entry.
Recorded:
6 h 01 min
